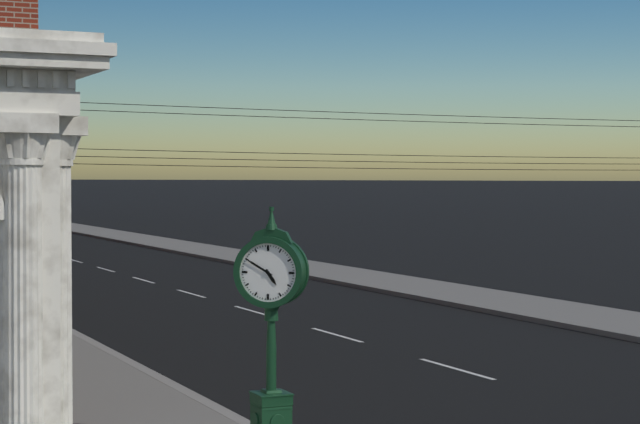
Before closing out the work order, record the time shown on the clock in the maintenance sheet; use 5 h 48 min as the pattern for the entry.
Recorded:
4 h 50 min
